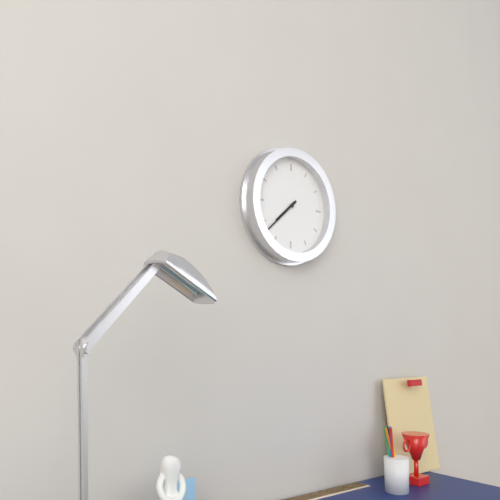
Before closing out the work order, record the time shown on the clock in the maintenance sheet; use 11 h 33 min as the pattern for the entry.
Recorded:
7 h 38 min
